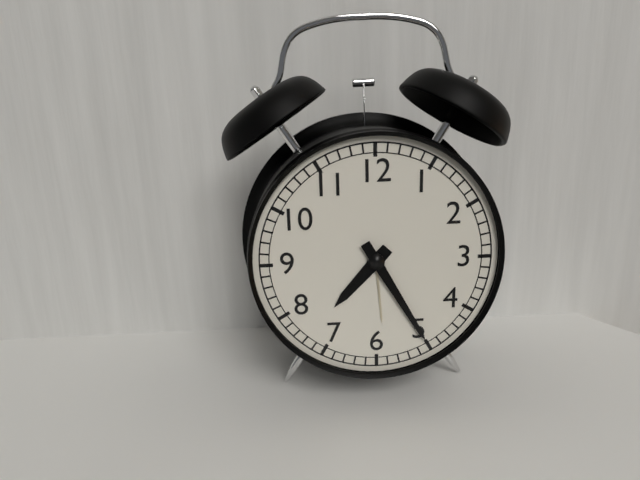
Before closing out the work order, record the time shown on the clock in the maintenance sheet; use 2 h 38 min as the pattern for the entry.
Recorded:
7 h 25 min
